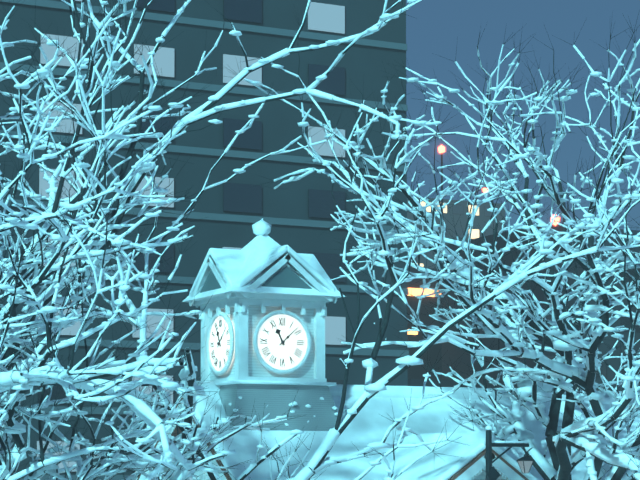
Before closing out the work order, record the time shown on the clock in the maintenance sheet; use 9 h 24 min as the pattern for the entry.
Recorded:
11 h 08 min
